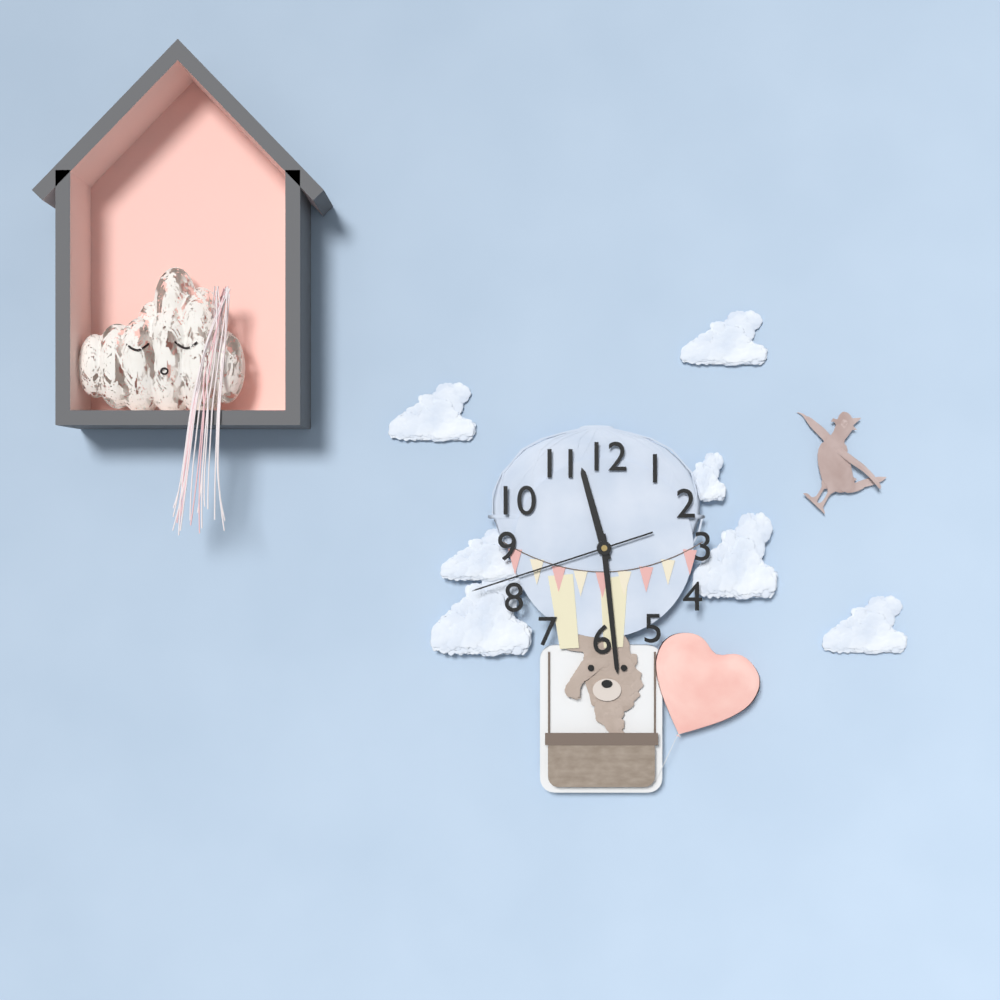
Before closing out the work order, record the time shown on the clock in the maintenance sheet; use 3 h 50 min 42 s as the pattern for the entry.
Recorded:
11 h 29 min 42 s
